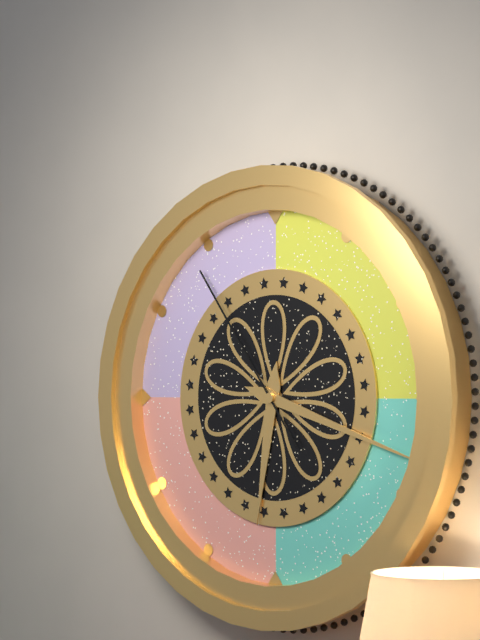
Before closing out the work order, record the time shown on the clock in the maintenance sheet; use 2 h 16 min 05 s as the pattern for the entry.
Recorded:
6 h 18 min 54 s
